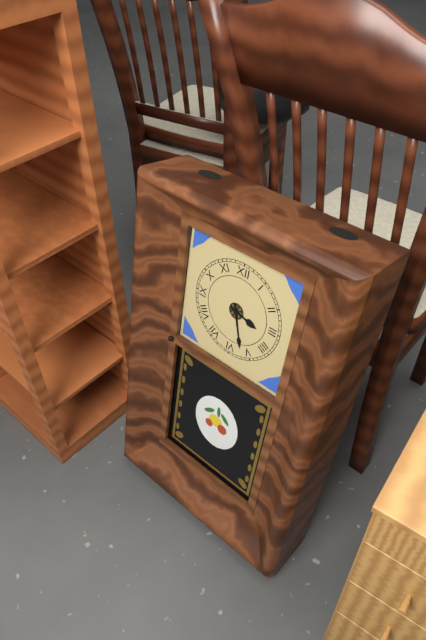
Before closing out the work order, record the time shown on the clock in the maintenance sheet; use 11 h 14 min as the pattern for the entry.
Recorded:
3 h 27 min
